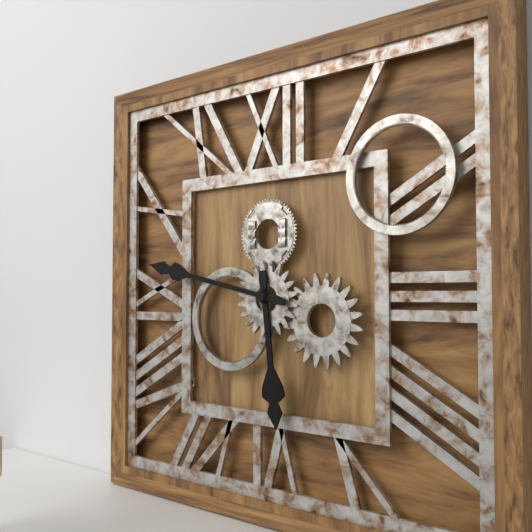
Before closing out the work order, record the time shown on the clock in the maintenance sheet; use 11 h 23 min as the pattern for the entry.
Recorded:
5 h 47 min
